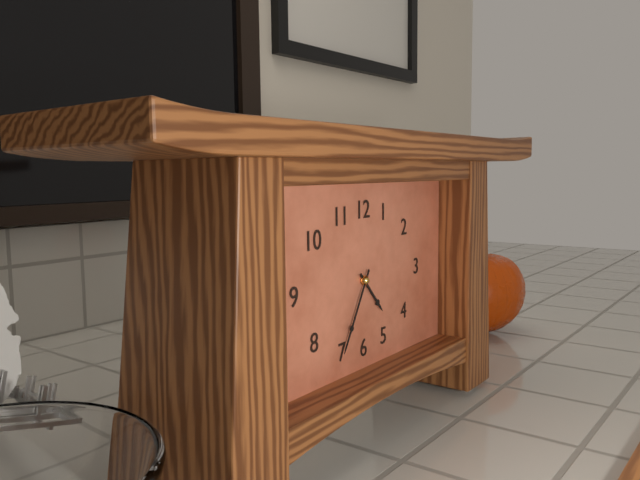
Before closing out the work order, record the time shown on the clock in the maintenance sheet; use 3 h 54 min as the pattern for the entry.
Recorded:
4 h 35 min
